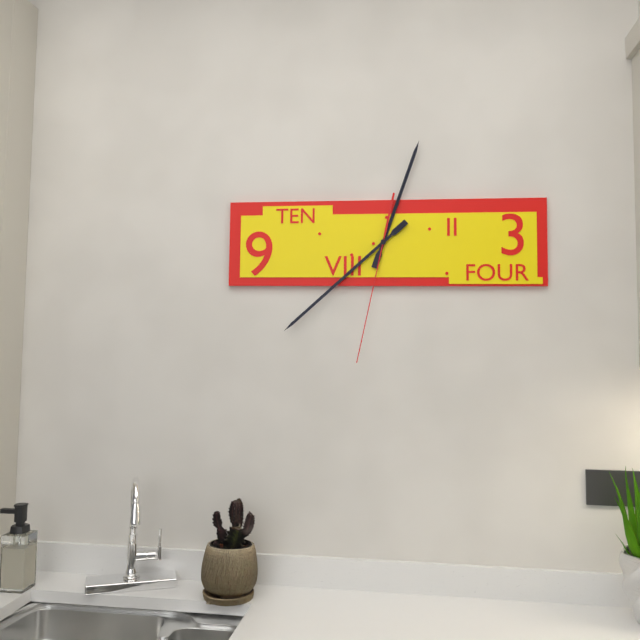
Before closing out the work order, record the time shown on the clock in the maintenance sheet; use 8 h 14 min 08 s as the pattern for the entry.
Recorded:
12 h 38 min 32 s
